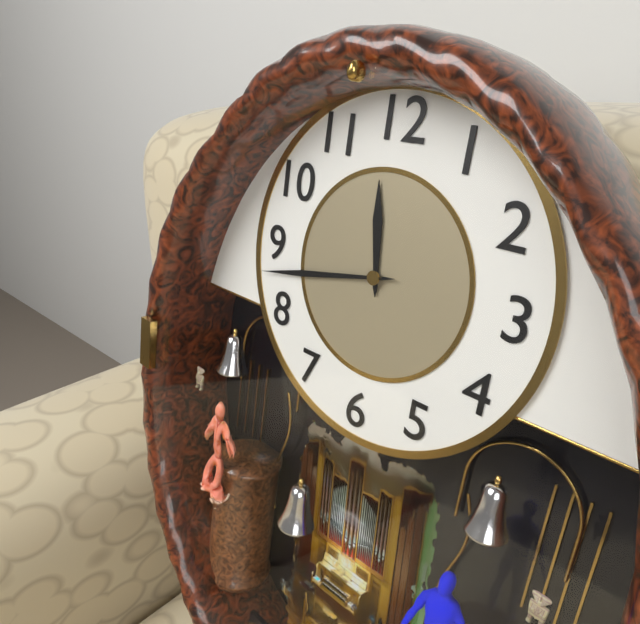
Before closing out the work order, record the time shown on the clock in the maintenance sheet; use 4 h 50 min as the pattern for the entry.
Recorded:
11 h 43 min
